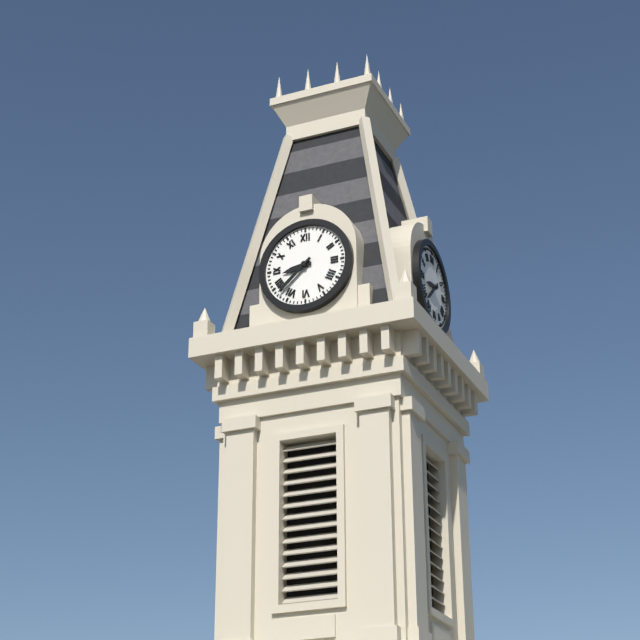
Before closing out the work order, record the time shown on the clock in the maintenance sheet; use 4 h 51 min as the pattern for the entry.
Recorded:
8 h 38 min
